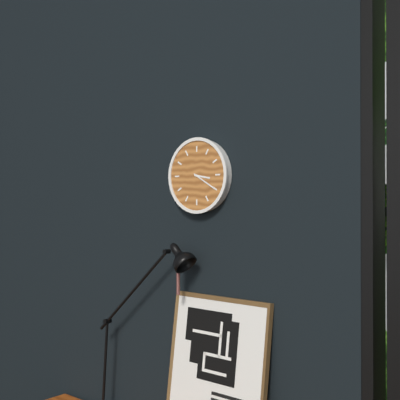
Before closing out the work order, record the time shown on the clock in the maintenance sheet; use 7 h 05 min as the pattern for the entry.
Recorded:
3 h 20 min
